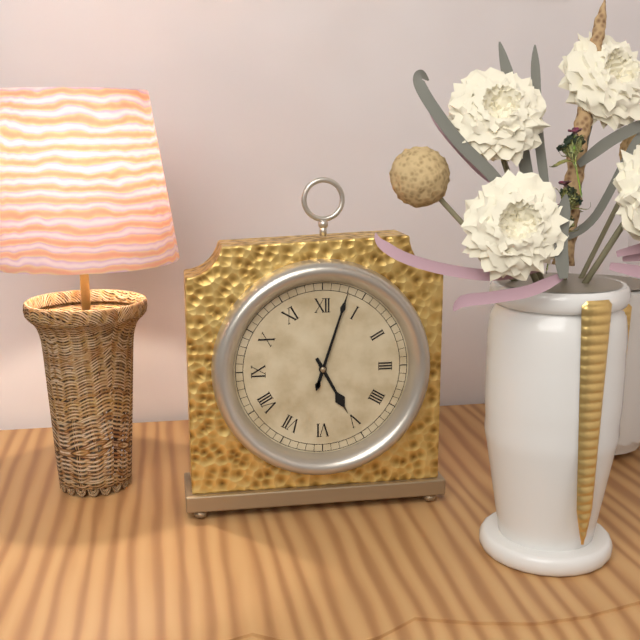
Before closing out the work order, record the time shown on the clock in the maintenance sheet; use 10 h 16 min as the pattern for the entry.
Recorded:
5 h 03 min
